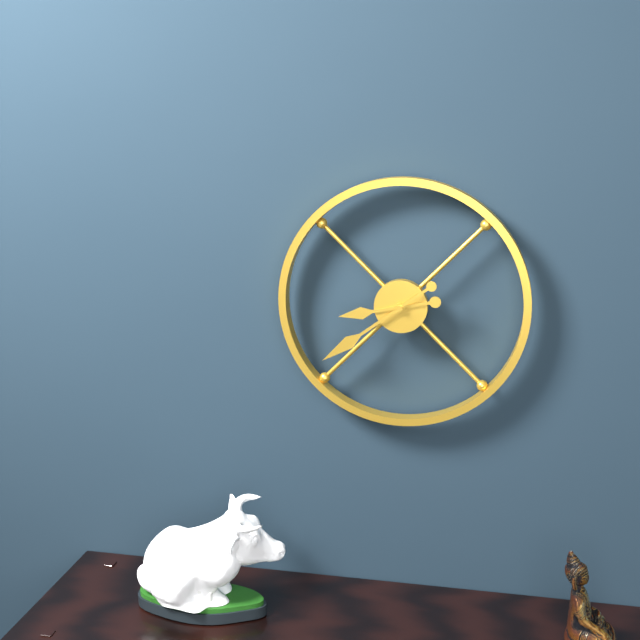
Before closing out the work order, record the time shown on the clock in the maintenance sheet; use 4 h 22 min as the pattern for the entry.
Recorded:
8 h 39 min
